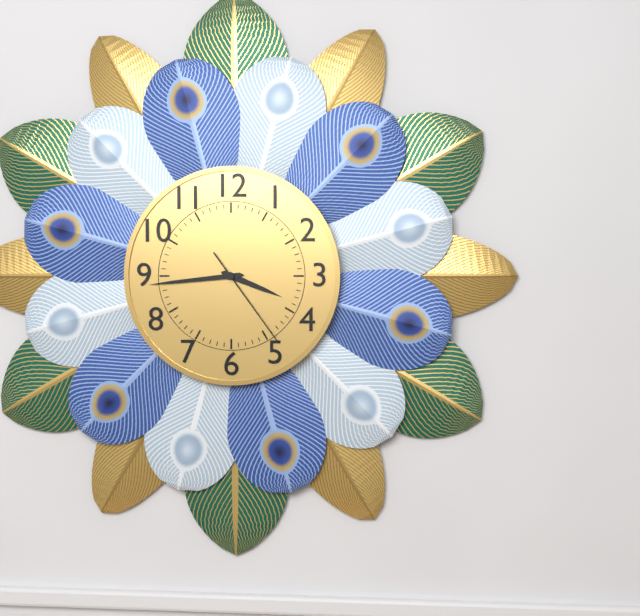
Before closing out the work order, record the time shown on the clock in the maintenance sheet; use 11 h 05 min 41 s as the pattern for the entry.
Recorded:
3 h 44 min 24 s
